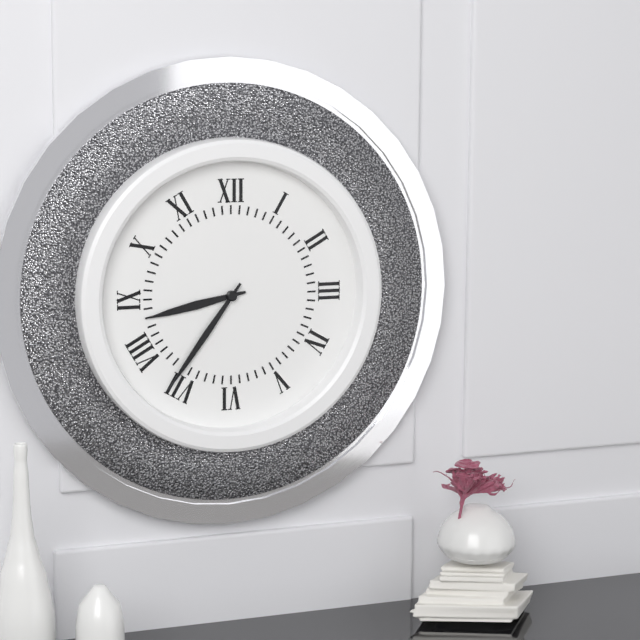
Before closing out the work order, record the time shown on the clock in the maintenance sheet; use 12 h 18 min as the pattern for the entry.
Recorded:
8 h 36 min
